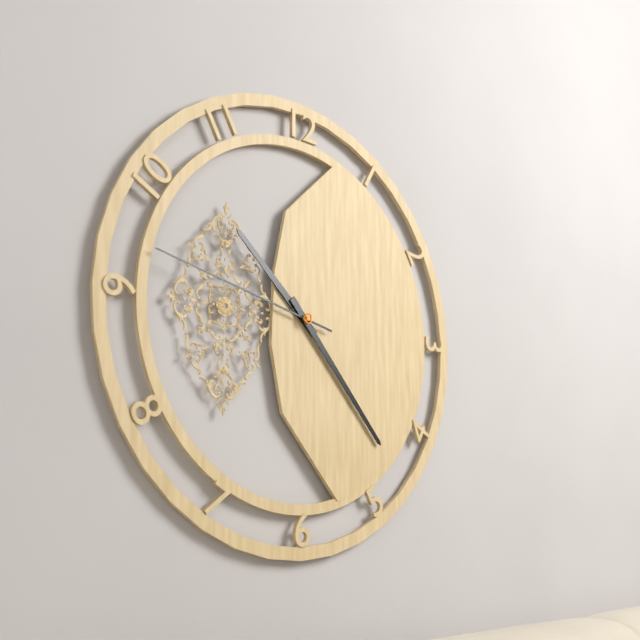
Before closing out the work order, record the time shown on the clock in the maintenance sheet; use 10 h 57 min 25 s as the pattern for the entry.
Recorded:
10 h 23 min 47 s
